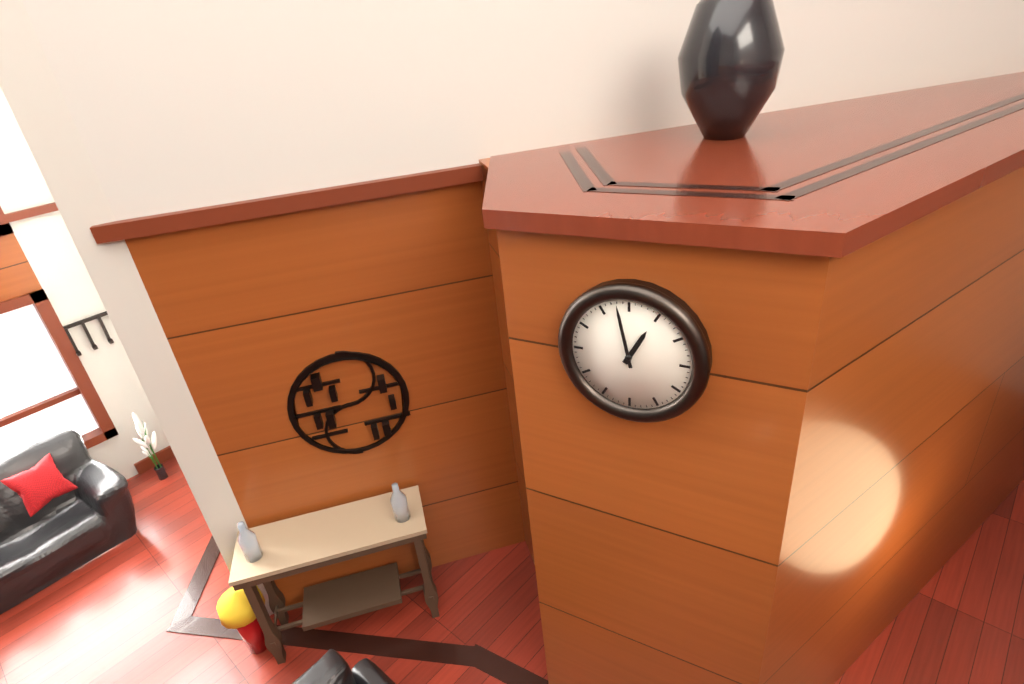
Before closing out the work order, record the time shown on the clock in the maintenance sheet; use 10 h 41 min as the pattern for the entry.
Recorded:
12 h 58 min
